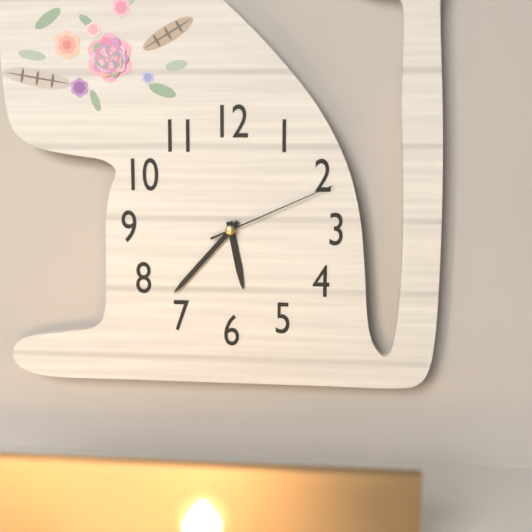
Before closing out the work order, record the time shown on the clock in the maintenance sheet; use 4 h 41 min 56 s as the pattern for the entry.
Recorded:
5 h 37 min 11 s
